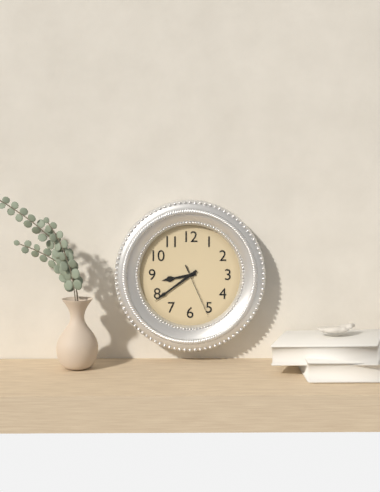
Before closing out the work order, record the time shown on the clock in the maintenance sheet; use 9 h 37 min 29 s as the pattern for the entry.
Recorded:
8 h 39 min 26 s
